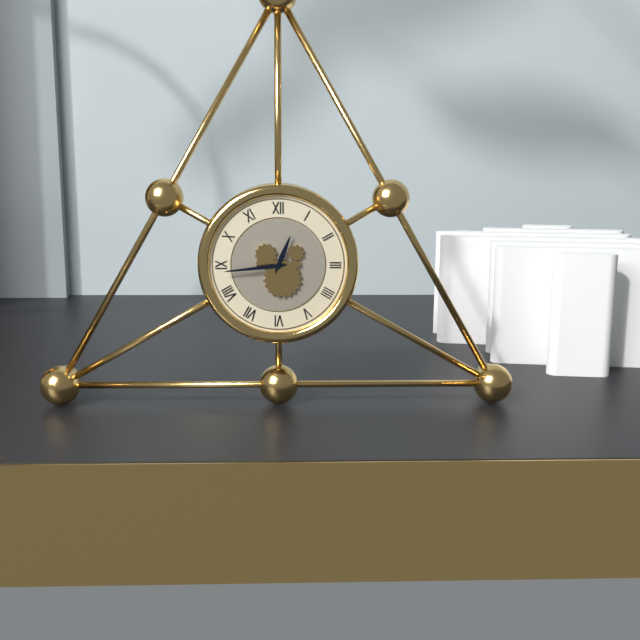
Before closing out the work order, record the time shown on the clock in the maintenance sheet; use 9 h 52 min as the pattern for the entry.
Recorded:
12 h 44 min
